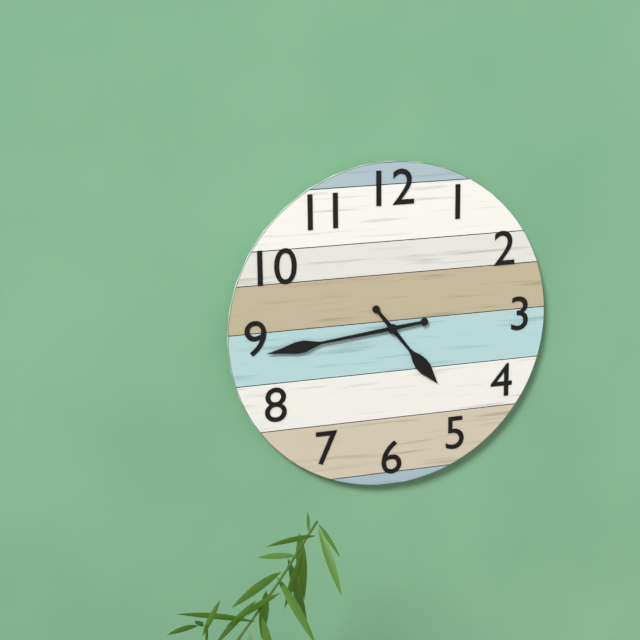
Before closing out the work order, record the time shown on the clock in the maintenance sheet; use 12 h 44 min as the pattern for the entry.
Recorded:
4 h 44 min
